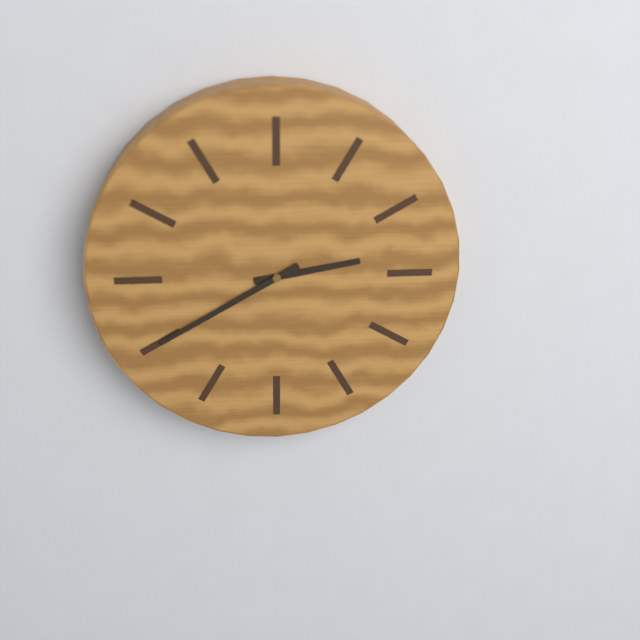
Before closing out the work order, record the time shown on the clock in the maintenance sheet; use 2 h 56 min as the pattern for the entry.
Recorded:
2 h 40 min
